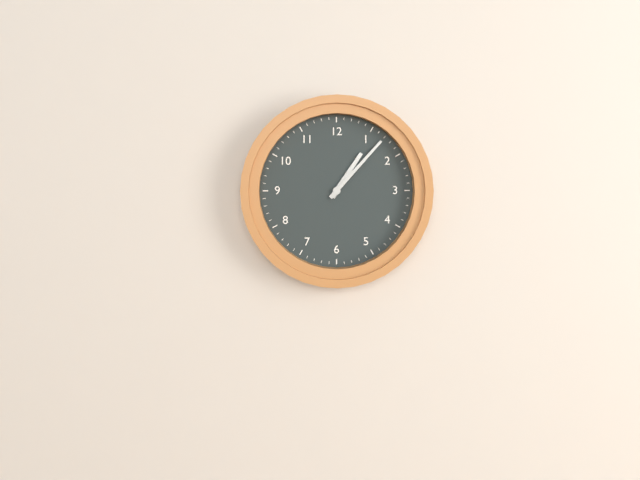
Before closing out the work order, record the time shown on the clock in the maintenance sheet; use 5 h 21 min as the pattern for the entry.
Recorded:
1 h 07 min
